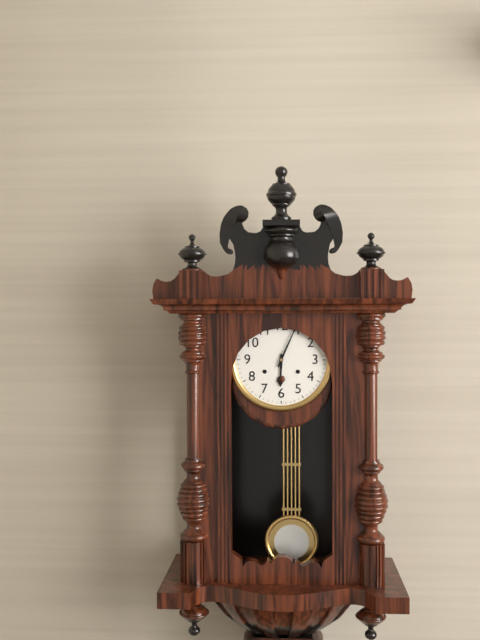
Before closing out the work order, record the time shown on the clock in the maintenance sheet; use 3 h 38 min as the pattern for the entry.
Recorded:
6 h 04 min
